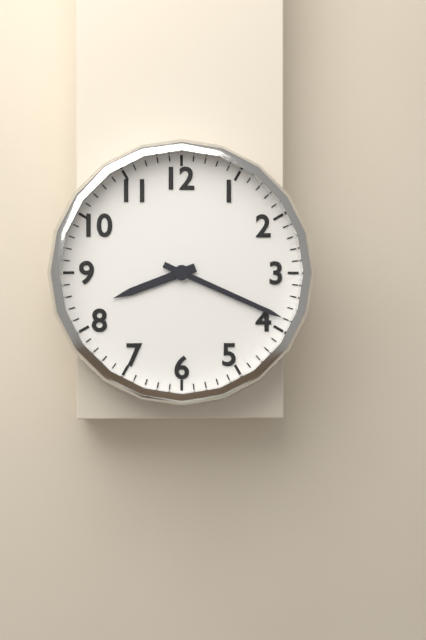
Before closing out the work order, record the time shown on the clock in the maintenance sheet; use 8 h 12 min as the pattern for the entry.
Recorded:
8 h 19 min
